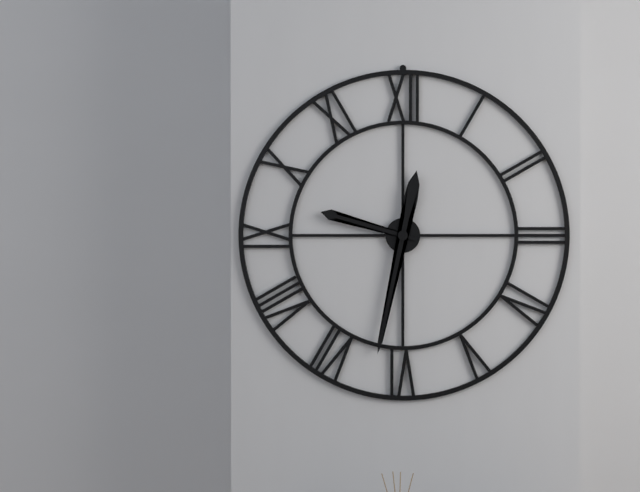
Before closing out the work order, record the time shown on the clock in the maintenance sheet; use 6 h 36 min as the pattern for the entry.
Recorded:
9 h 32 min
